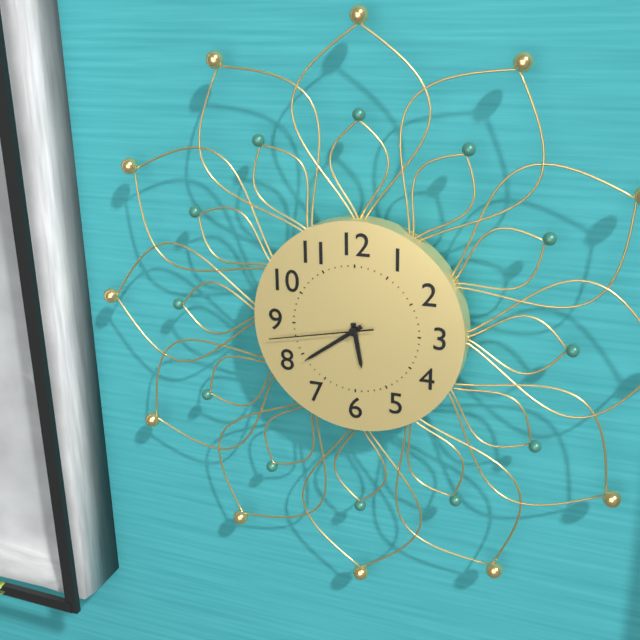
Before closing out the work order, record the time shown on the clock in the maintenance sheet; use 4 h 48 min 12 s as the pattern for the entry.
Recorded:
5 h 39 min 43 s
